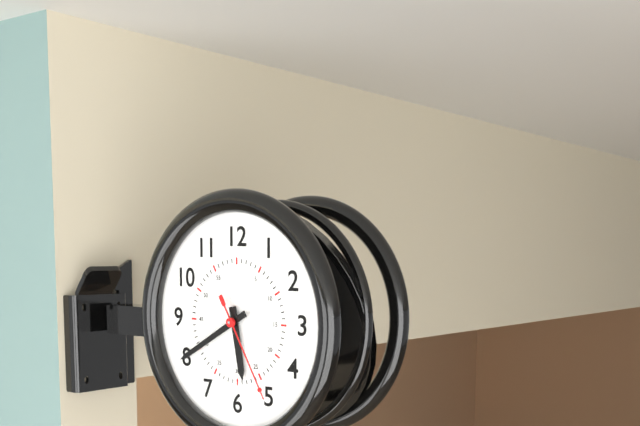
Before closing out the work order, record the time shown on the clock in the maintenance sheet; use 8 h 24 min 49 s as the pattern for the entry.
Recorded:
5 h 40 min 25 s
